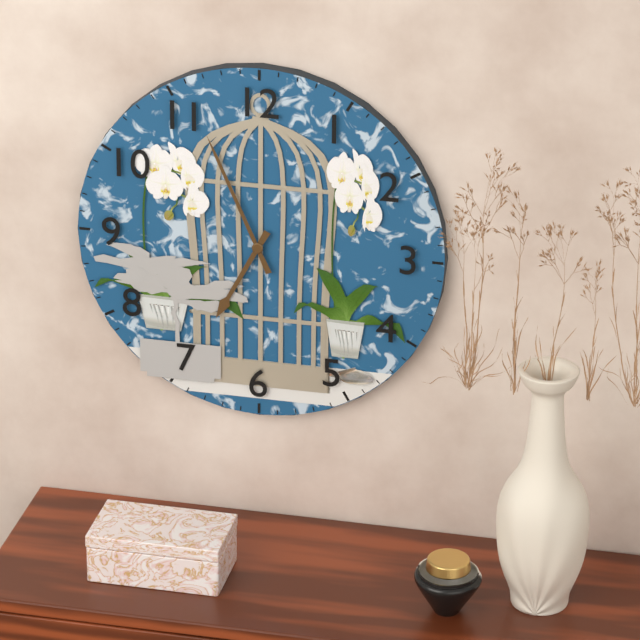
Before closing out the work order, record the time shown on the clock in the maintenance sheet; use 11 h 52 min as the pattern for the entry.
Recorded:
6 h 56 min
